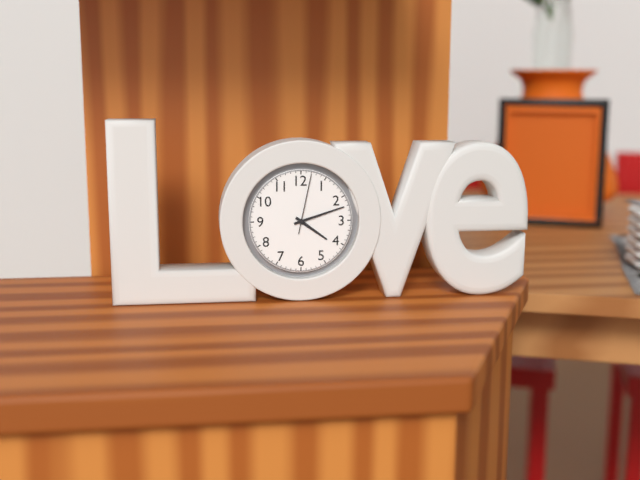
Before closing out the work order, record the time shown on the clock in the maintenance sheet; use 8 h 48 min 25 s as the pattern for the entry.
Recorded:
4 h 12 min 02 s
